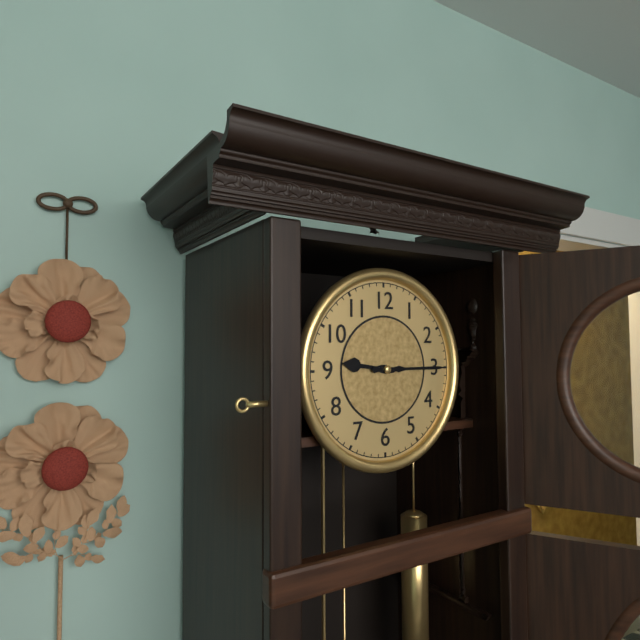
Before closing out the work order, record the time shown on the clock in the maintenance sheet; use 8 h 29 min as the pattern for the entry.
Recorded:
9 h 15 min
